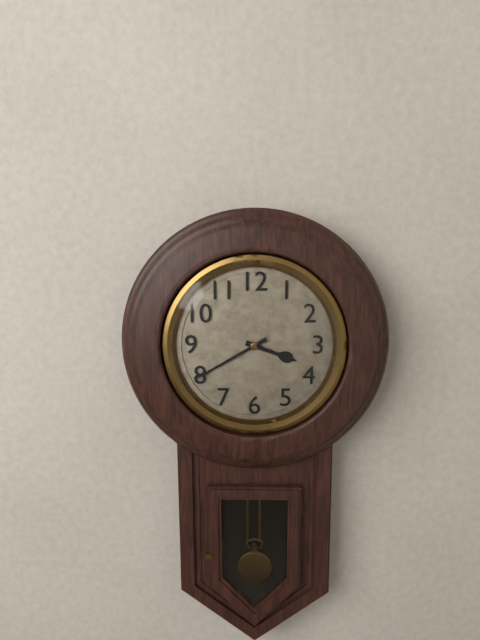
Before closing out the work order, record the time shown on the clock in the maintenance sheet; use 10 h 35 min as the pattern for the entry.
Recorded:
3 h 40 min
